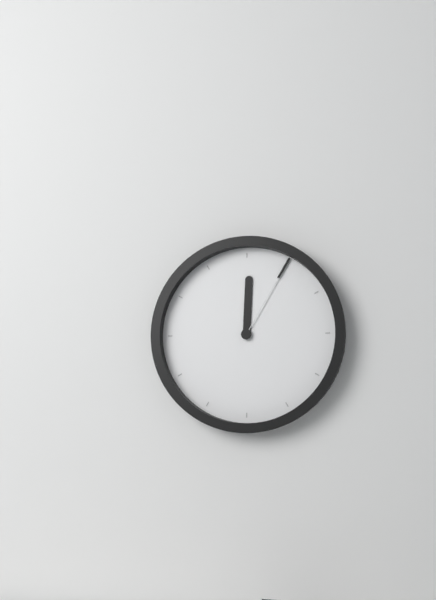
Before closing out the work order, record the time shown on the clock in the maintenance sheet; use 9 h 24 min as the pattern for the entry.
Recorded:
12 h 05 min
